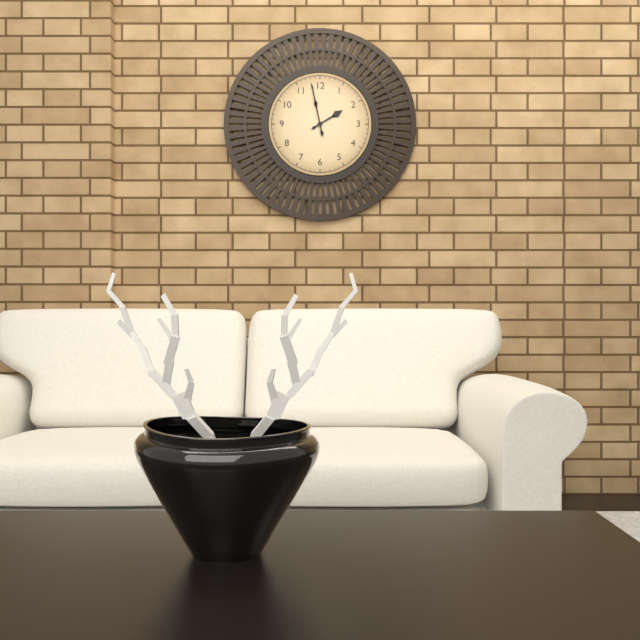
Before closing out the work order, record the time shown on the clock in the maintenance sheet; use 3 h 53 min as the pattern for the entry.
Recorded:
1 h 58 min
